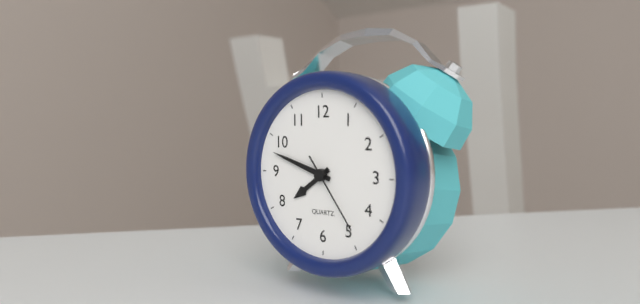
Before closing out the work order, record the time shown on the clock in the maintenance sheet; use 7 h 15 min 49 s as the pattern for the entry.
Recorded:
7 h 48 min 24 s
